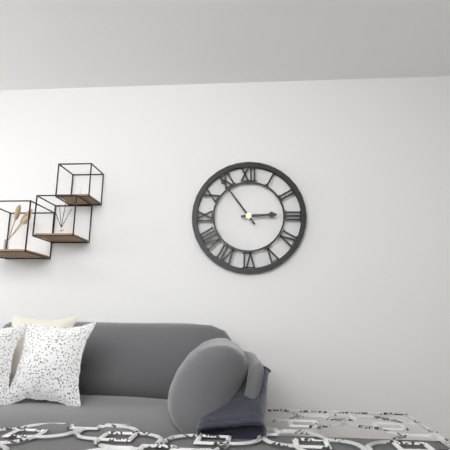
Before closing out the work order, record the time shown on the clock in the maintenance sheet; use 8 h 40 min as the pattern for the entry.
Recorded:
2 h 54 min
